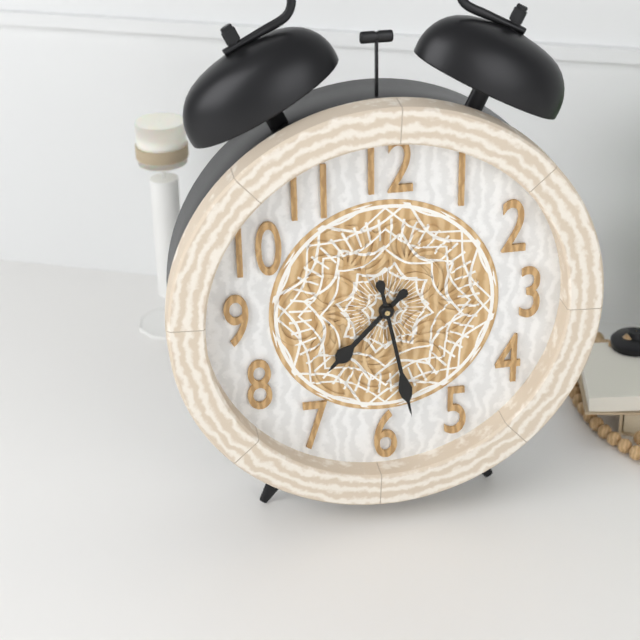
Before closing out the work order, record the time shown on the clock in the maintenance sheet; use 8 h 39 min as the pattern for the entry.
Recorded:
7 h 28 min
